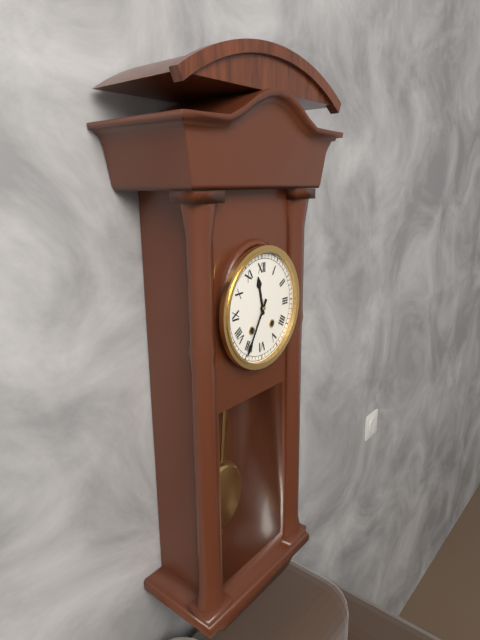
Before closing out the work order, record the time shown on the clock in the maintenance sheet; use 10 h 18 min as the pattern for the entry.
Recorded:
11 h 35 min
